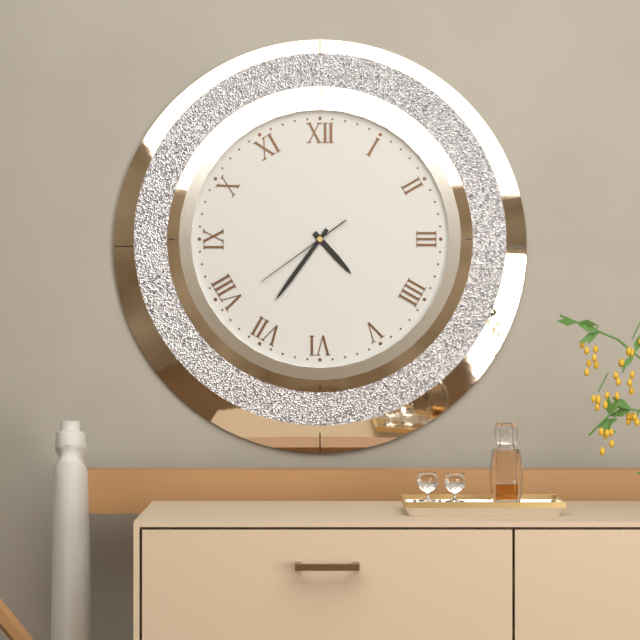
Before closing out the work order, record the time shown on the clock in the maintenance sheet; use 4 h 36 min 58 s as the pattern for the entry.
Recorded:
4 h 36 min 39 s
